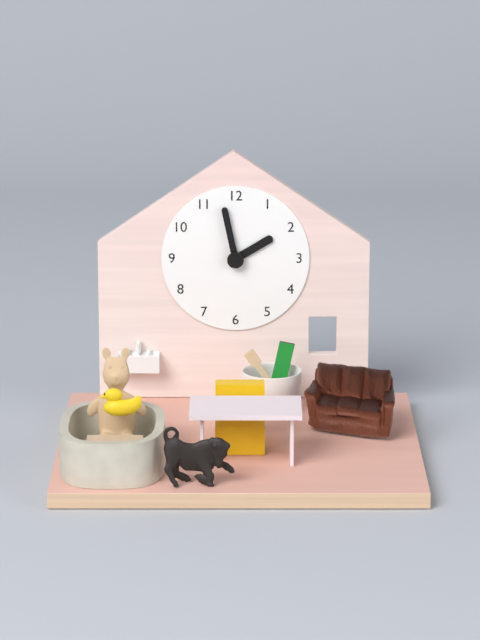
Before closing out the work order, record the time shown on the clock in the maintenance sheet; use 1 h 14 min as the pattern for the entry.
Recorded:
1 h 58 min
